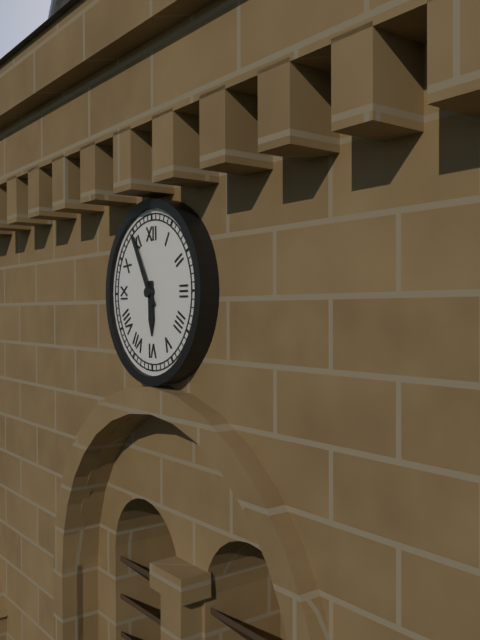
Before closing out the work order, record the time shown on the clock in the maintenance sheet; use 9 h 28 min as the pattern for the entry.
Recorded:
5 h 55 min
